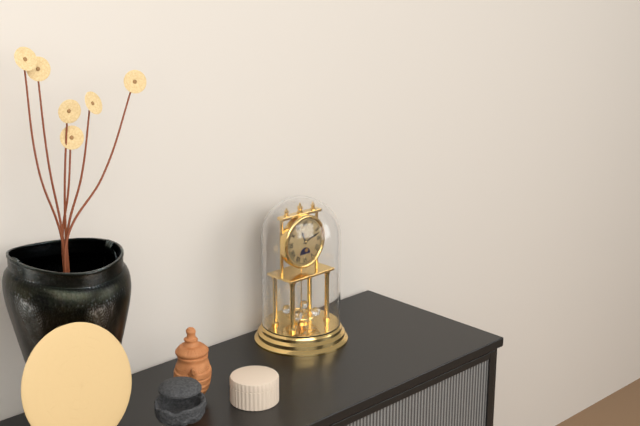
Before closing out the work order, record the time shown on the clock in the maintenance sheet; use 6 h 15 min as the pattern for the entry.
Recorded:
11 h 12 min
